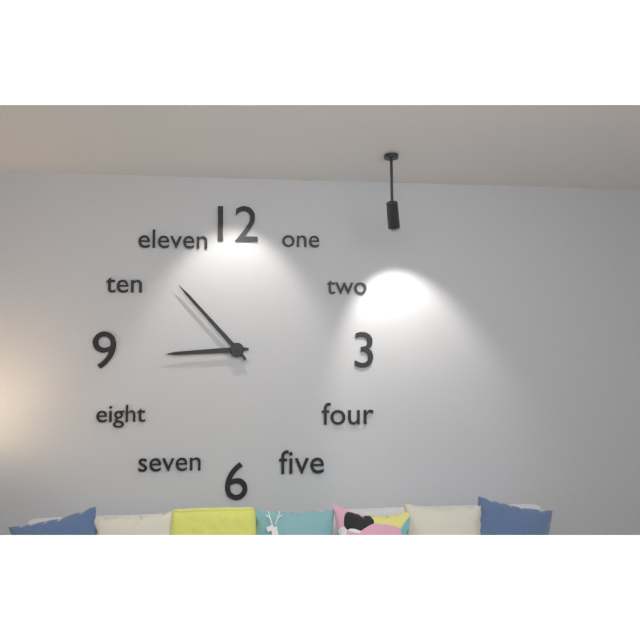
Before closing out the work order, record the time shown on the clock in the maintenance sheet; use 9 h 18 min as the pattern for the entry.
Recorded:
8 h 53 min
